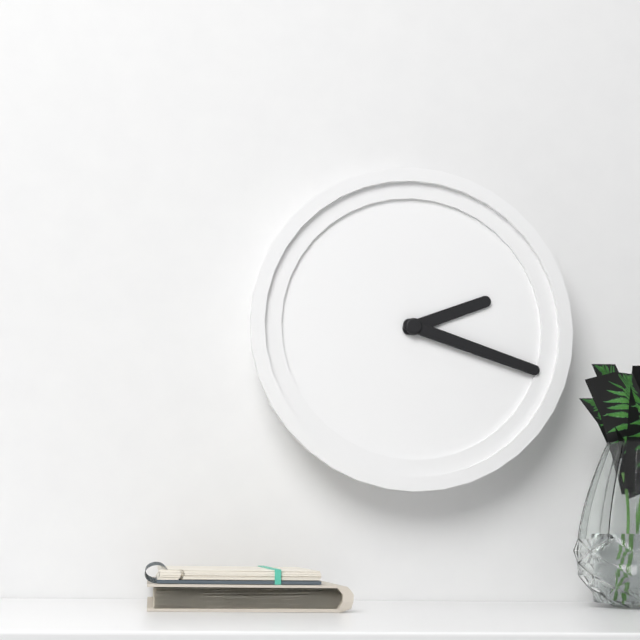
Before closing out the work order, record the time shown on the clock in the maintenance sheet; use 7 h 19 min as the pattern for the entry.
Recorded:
2 h 18 min
